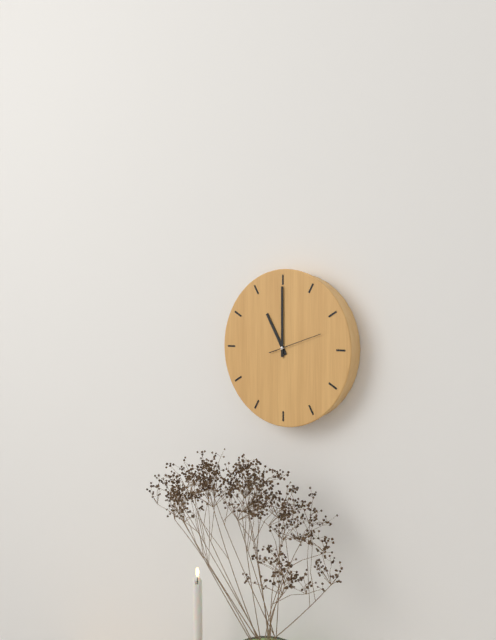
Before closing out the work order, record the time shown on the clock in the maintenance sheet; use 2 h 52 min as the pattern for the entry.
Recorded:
11 h 00 min
